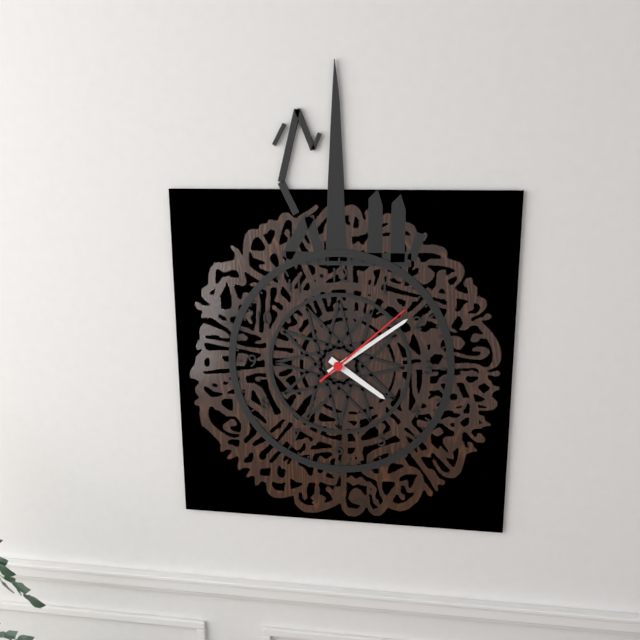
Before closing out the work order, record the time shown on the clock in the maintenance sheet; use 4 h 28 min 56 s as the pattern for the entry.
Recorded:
4 h 09 min 08 s
